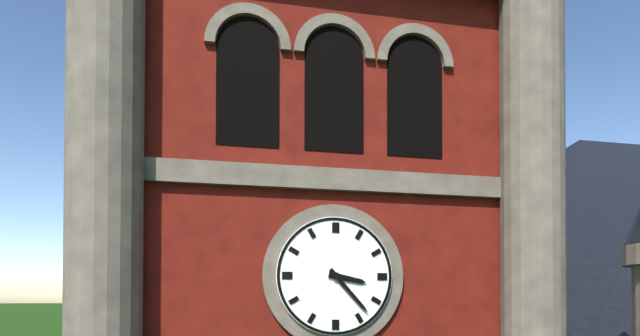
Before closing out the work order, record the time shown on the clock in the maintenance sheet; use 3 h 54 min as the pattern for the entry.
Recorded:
3 h 23 min
